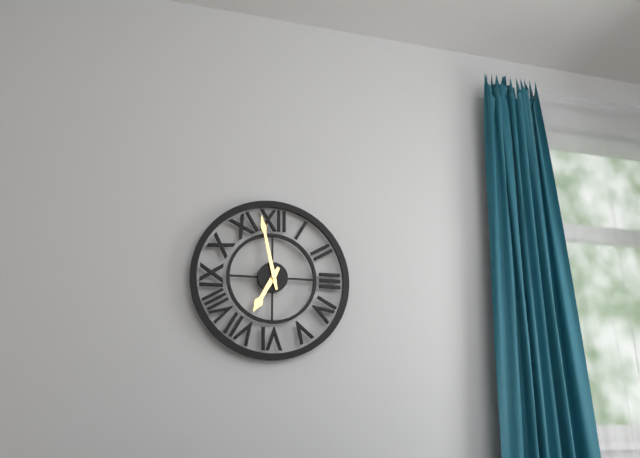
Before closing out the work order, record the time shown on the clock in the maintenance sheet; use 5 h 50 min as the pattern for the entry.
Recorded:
6 h 58 min
